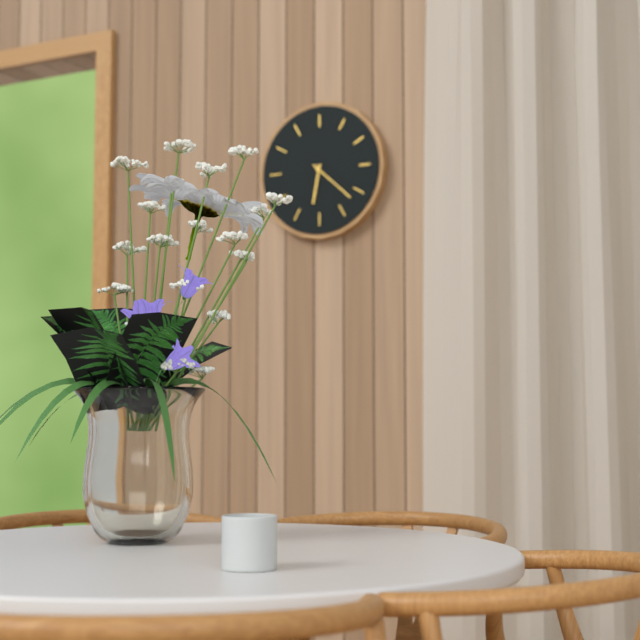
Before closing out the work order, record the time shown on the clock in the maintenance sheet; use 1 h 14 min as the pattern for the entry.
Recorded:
6 h 22 min
